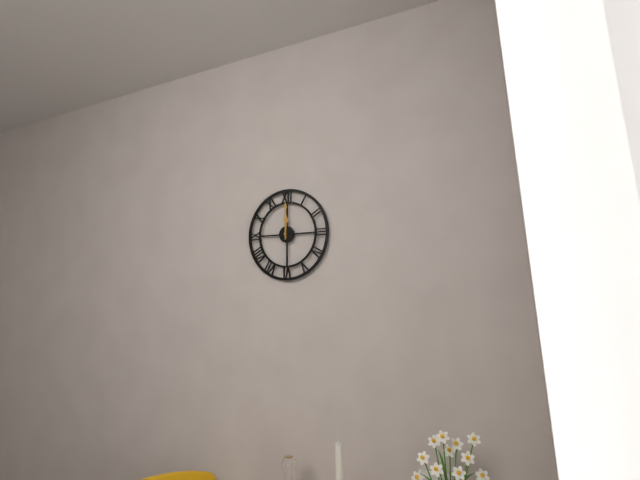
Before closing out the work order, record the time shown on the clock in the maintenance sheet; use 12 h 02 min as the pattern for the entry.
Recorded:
12 h 00 min
